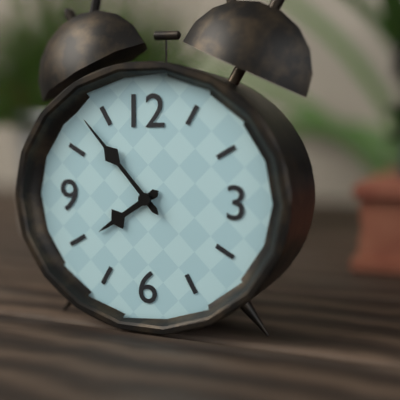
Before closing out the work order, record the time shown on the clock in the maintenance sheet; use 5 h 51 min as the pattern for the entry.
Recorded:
7 h 53 min
